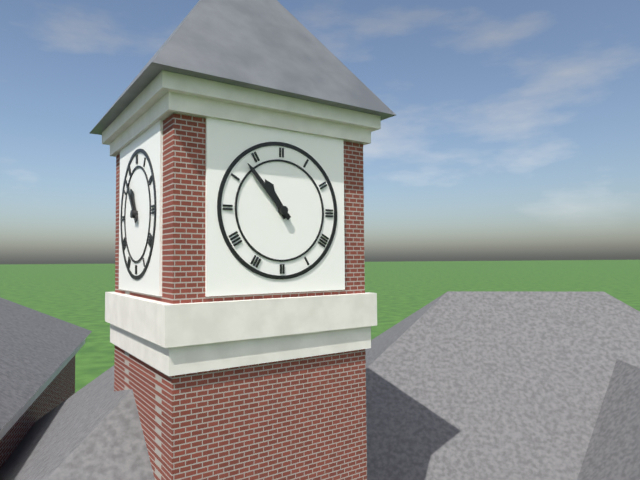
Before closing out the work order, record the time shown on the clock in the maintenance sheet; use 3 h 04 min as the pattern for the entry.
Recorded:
10 h 53 min
